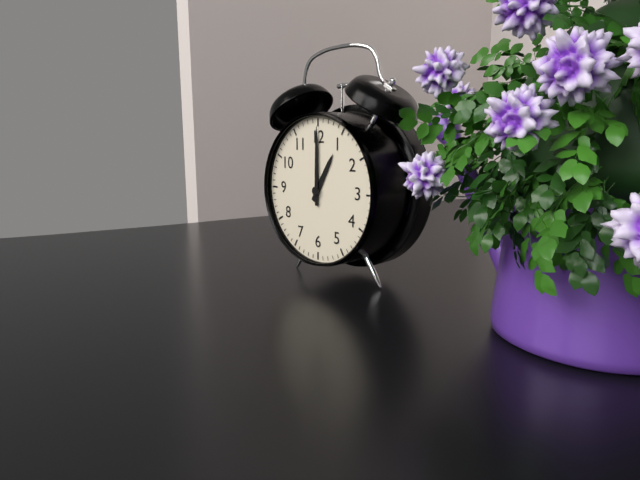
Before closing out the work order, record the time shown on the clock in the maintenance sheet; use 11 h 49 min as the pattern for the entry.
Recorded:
1 h 00 min
